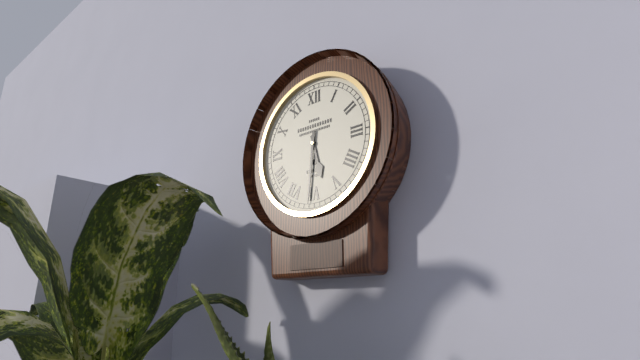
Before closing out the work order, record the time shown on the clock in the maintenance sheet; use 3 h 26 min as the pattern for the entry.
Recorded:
5 h 31 min
